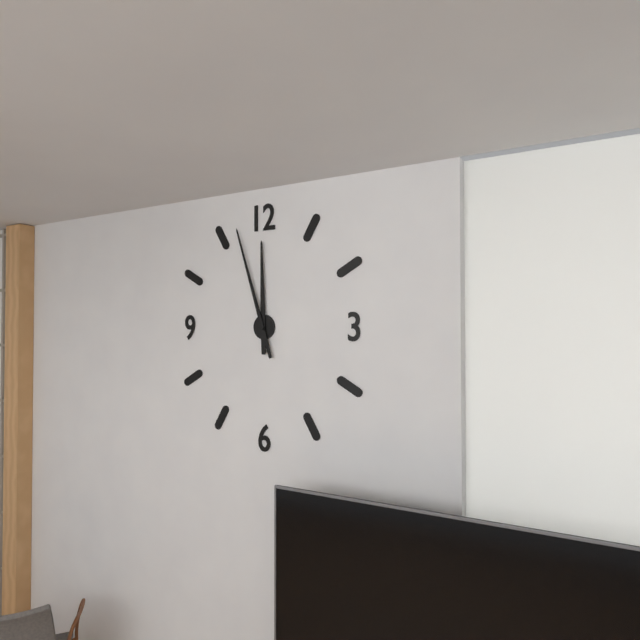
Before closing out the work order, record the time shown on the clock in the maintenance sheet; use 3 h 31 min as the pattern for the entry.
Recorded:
11 h 57 min
